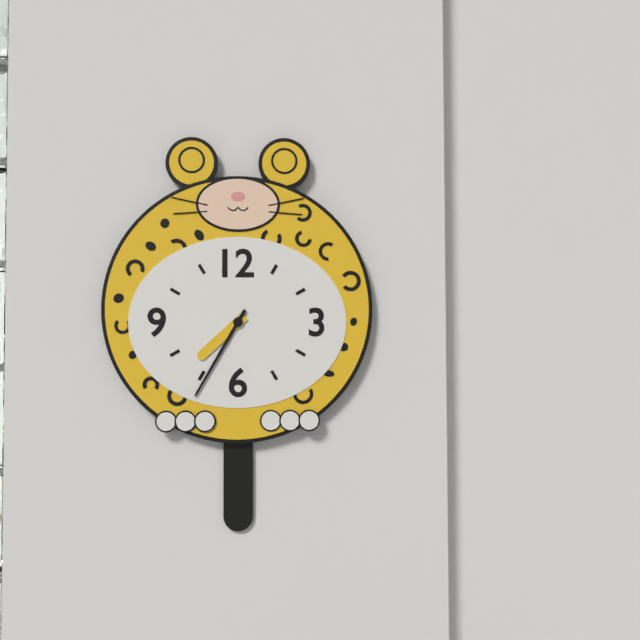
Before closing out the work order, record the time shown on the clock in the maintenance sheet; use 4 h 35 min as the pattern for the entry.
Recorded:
7 h 35 min
